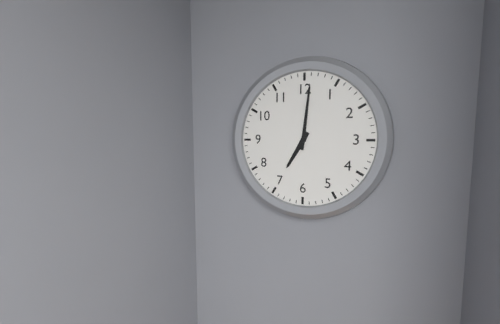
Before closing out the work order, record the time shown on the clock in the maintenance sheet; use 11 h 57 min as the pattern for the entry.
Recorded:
7 h 01 min
